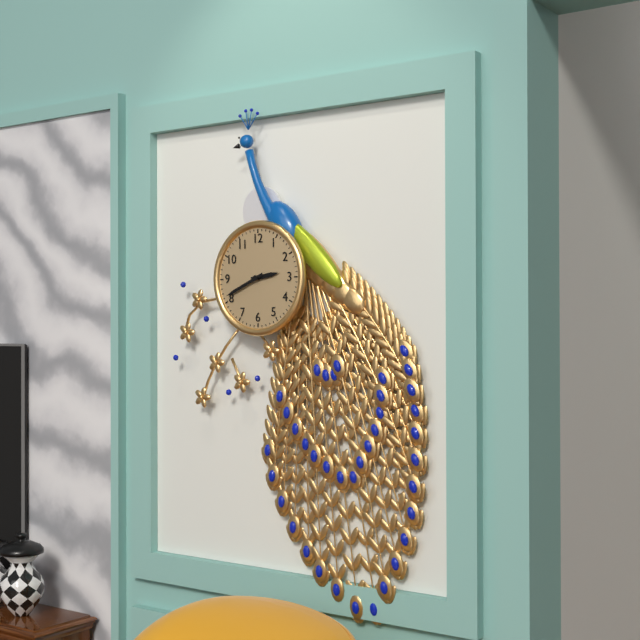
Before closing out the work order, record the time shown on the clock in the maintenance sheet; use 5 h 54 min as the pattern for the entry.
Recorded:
2 h 41 min
